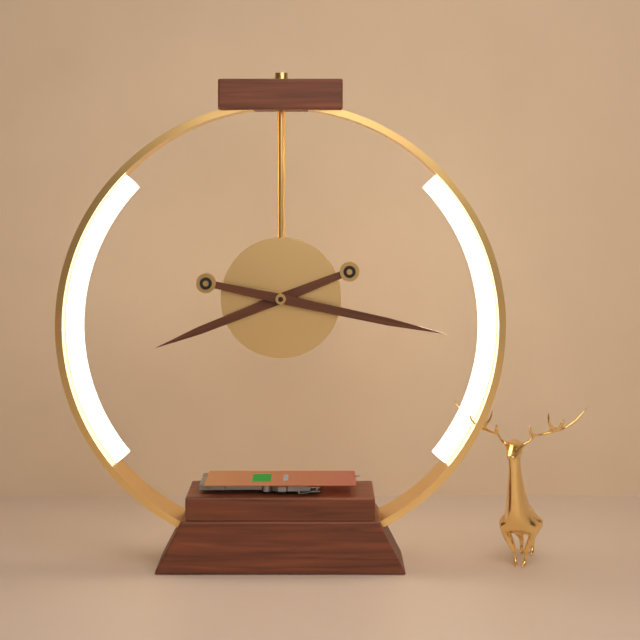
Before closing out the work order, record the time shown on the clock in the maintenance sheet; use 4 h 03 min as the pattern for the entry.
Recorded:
8 h 17 min
